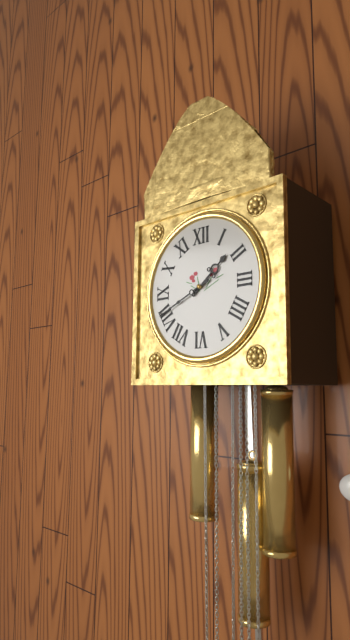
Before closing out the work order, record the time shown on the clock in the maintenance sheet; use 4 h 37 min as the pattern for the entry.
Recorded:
1 h 41 min
